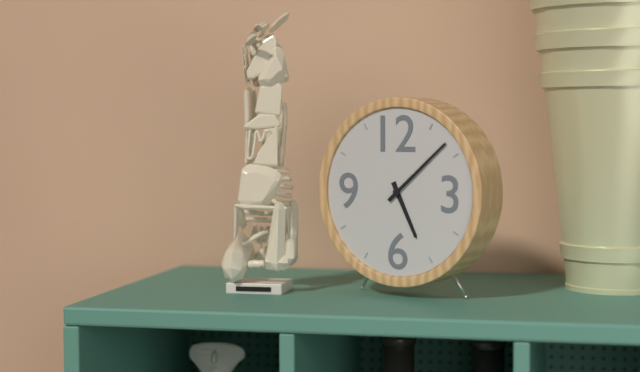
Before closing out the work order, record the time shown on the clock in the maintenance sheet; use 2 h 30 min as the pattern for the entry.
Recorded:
5 h 08 min
